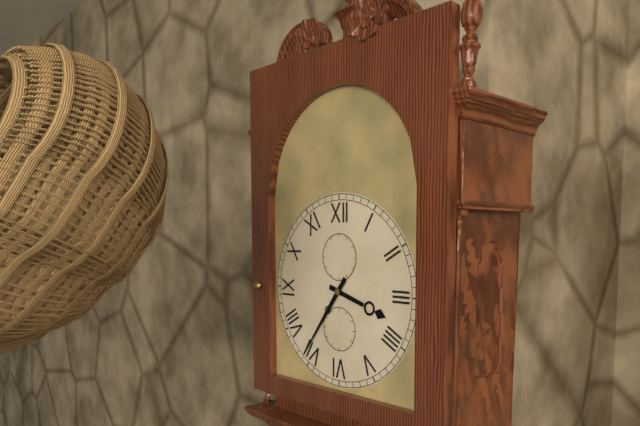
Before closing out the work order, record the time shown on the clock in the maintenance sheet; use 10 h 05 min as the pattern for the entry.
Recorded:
3 h 36 min
